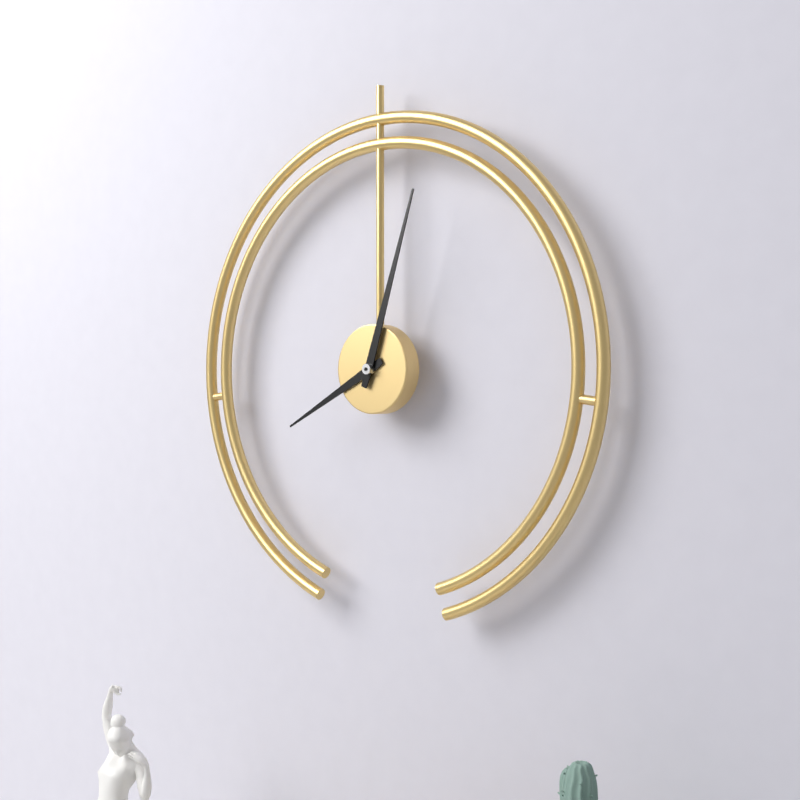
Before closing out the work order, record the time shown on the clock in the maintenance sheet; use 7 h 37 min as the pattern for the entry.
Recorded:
8 h 03 min
